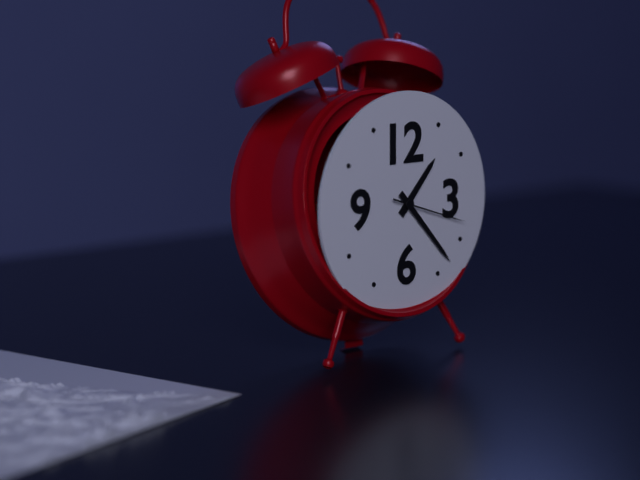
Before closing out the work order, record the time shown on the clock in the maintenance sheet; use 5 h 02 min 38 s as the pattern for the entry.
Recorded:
1 h 23 min 18 s
